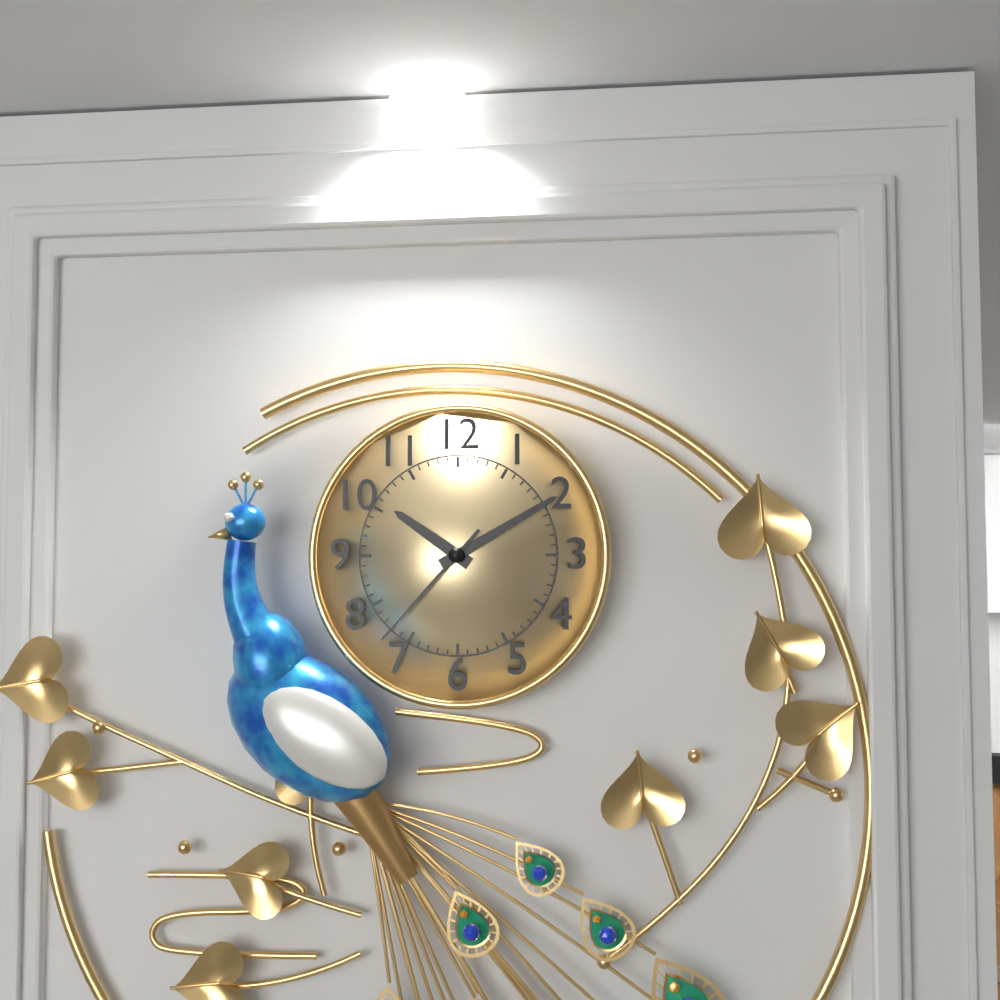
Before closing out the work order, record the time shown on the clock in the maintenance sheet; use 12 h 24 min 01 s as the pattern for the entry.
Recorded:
10 h 10 min 37 s
